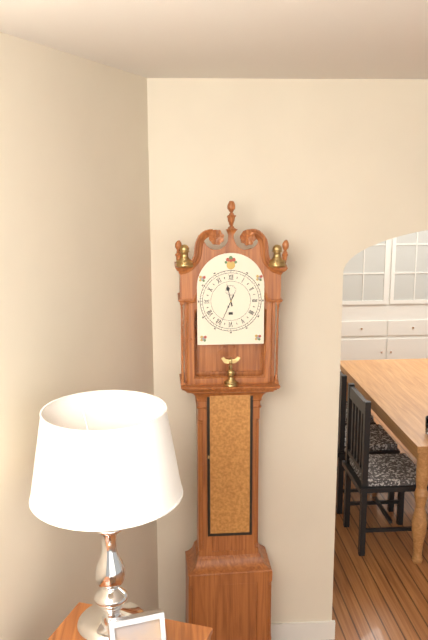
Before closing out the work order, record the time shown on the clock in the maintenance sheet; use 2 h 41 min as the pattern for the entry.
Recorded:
11 h 34 min
